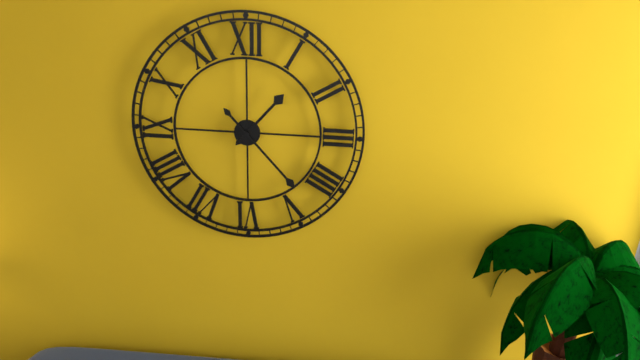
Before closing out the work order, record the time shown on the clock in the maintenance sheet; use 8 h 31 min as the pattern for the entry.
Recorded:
1 h 23 min
